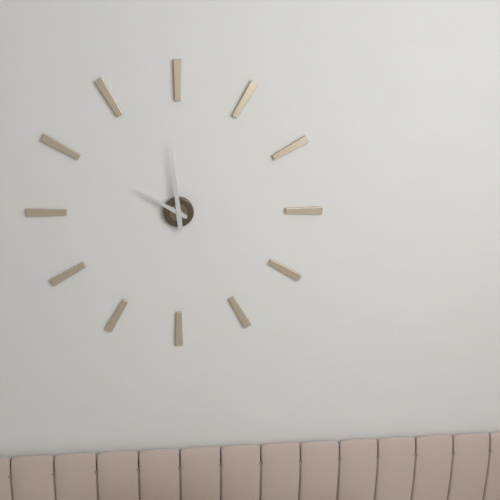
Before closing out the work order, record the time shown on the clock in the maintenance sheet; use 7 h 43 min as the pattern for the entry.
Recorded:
9 h 59 min
